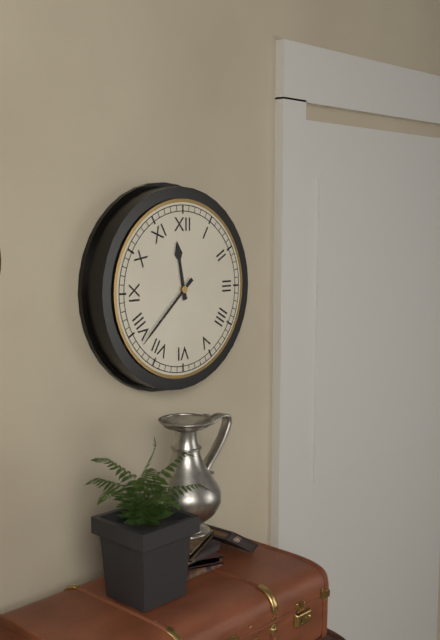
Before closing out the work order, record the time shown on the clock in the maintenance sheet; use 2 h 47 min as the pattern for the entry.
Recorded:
11 h 38 min
